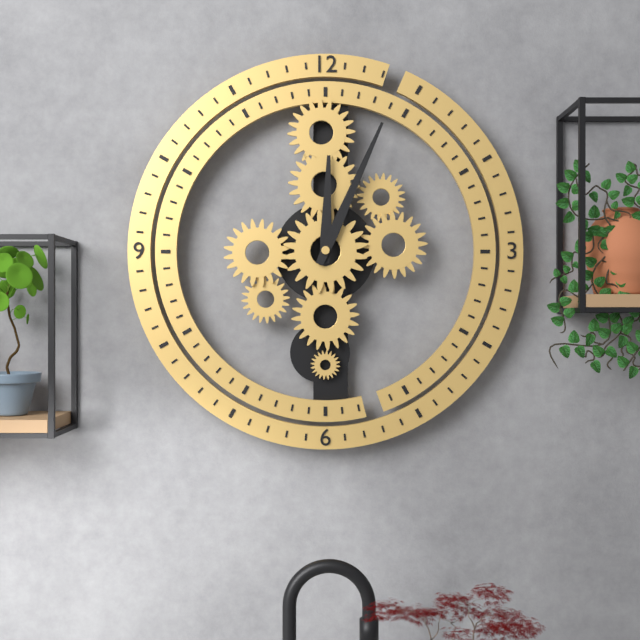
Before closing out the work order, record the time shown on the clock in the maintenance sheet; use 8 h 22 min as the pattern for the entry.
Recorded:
12 h 04 min
